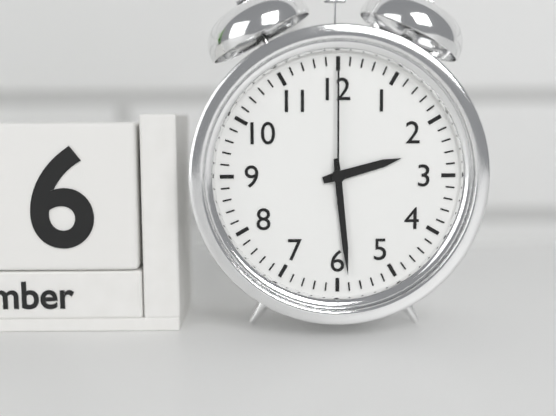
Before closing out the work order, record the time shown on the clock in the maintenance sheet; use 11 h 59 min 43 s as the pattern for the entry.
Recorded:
2 h 29 min 00 s
